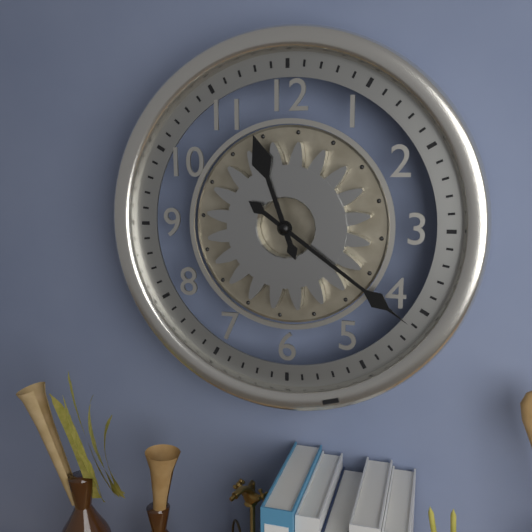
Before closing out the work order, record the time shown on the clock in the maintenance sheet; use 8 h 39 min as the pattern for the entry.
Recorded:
11 h 21 min
